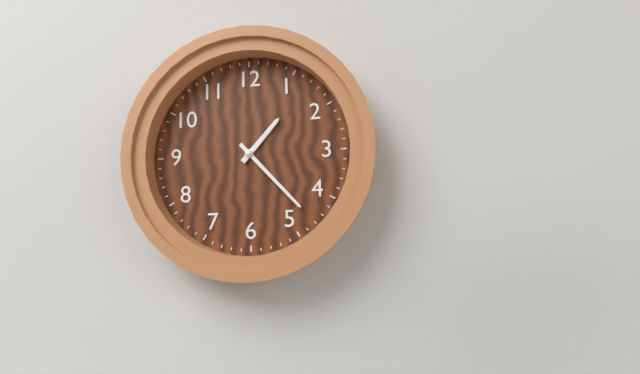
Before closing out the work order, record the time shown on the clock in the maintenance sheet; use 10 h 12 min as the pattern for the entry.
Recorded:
1 h 23 min
